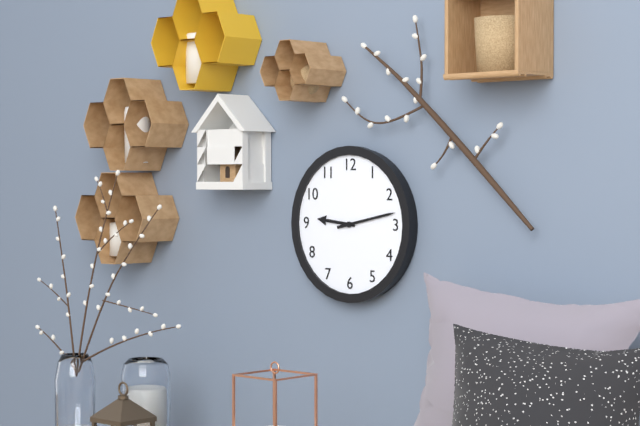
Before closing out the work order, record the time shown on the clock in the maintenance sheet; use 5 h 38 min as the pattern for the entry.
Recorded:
9 h 13 min
